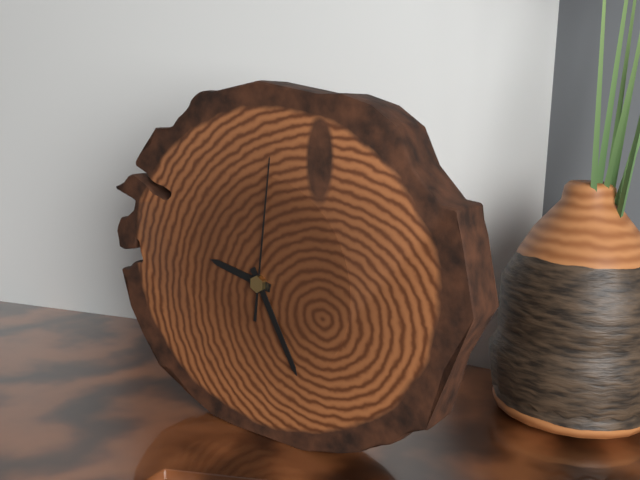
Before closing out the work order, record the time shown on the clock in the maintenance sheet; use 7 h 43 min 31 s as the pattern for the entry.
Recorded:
9 h 25 min 01 s
